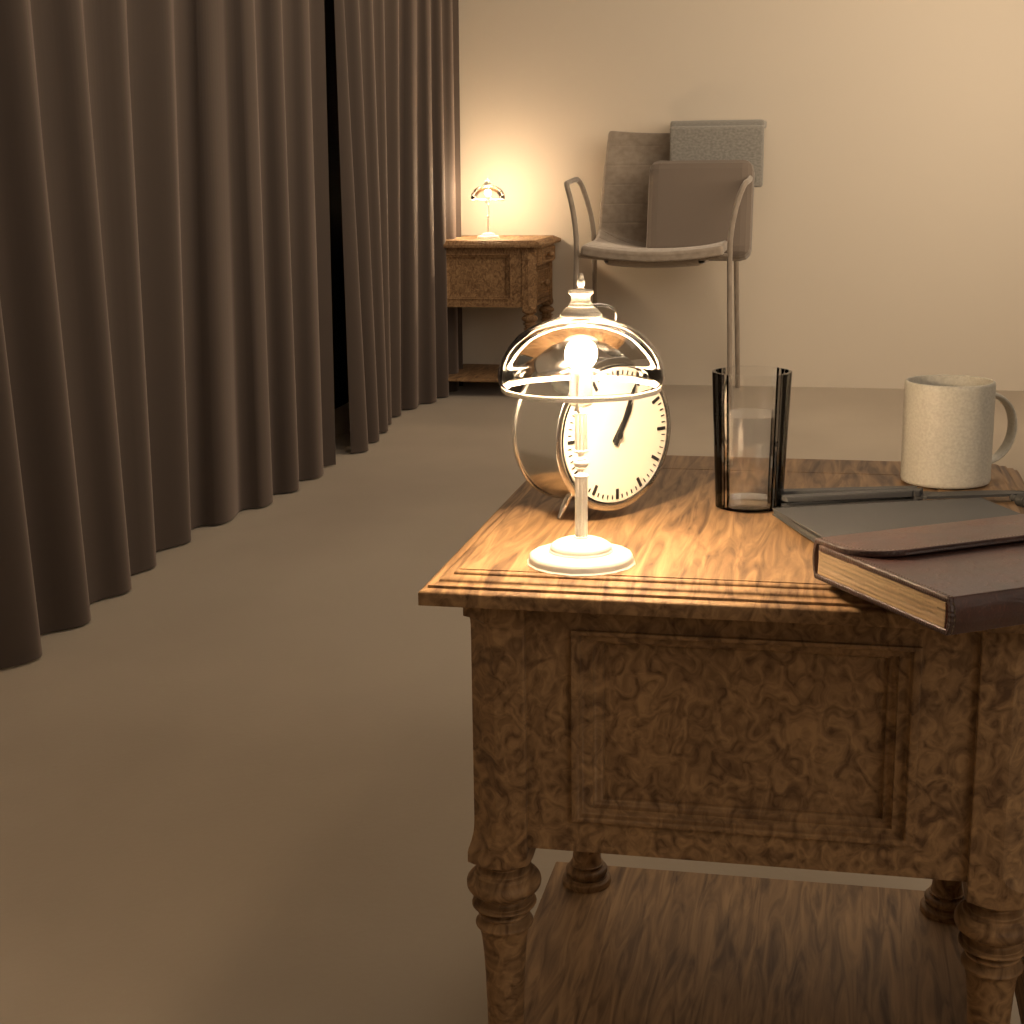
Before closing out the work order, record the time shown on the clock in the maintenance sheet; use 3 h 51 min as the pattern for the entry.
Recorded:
1 h 04 min
